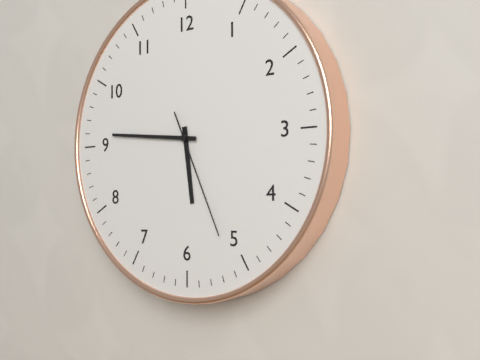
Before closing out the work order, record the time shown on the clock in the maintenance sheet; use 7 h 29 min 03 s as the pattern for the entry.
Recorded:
5 h 46 min 26 s
